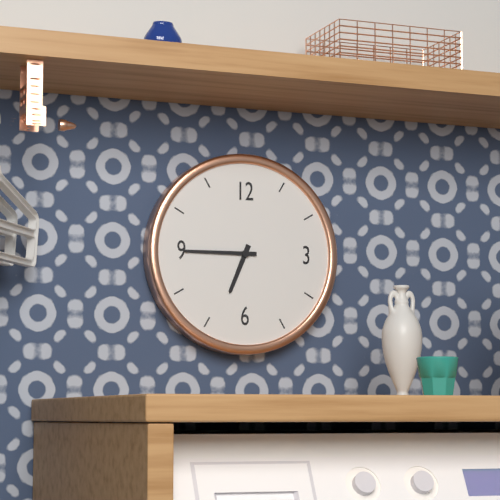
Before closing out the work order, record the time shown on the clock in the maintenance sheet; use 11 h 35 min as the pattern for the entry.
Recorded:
6 h 45 min
